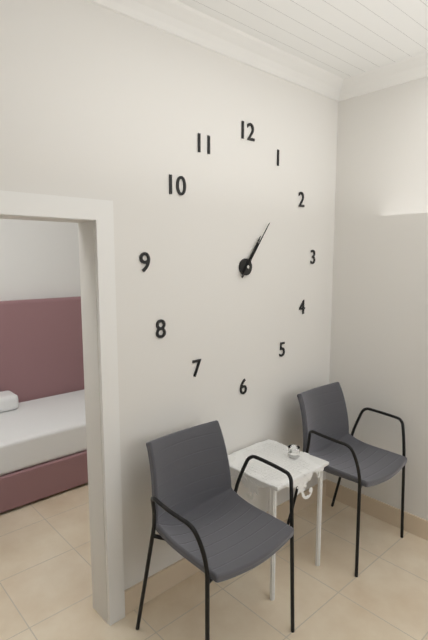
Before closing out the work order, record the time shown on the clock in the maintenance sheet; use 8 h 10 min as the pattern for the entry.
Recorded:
1 h 06 min
